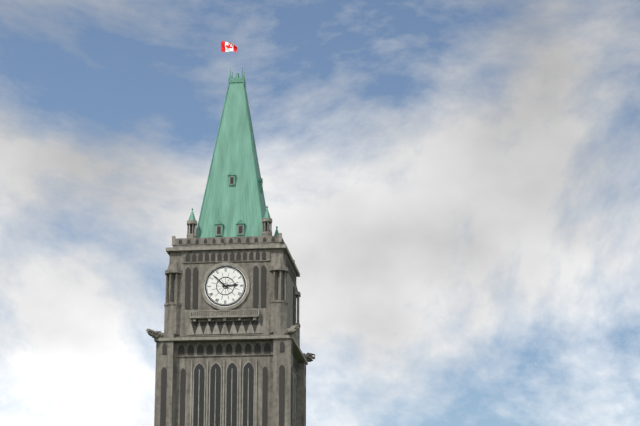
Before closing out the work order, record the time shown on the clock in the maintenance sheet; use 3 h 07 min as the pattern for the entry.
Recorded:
2 h 52 min
